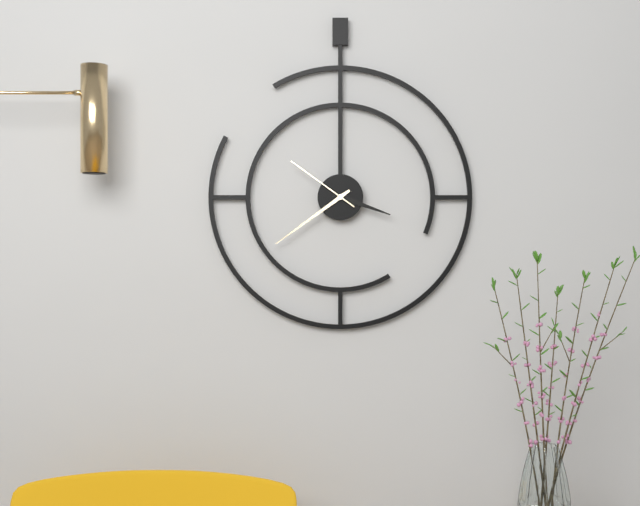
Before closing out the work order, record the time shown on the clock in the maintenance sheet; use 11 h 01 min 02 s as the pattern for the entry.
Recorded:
3 h 39 min 51 s
